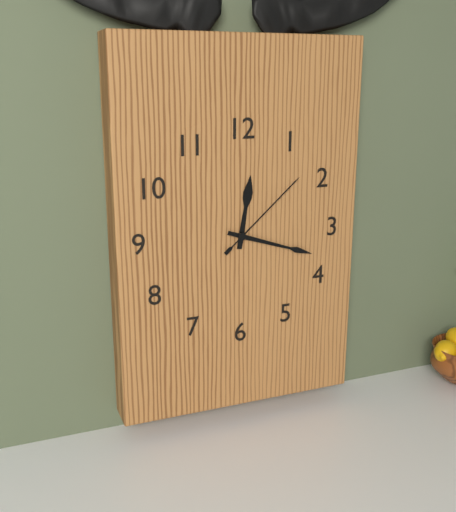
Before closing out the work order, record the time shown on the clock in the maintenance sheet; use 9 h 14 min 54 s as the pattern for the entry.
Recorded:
12 h 18 min 08 s
